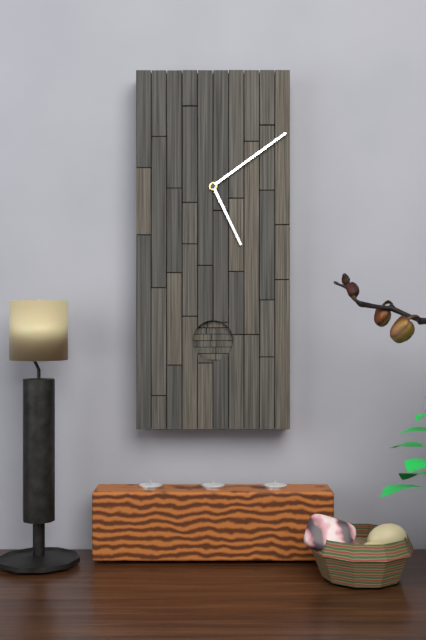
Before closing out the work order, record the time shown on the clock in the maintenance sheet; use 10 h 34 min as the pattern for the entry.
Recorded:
5 h 09 min
